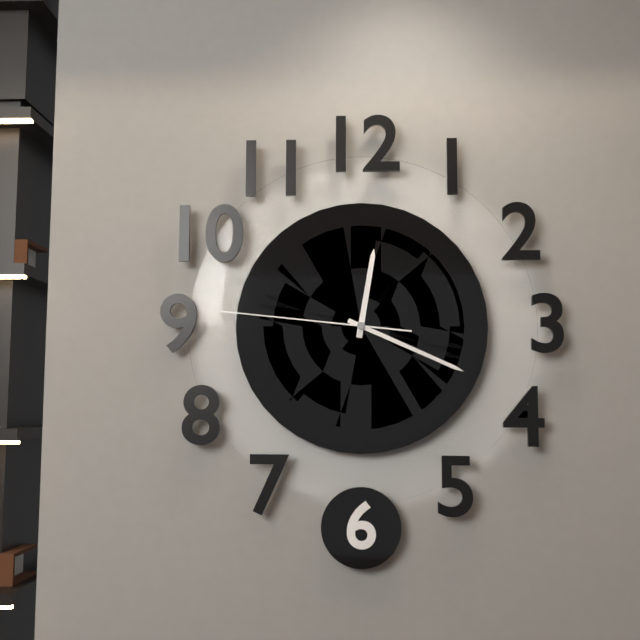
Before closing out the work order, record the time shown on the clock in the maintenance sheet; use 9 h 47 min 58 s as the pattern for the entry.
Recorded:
12 h 19 min 46 s
